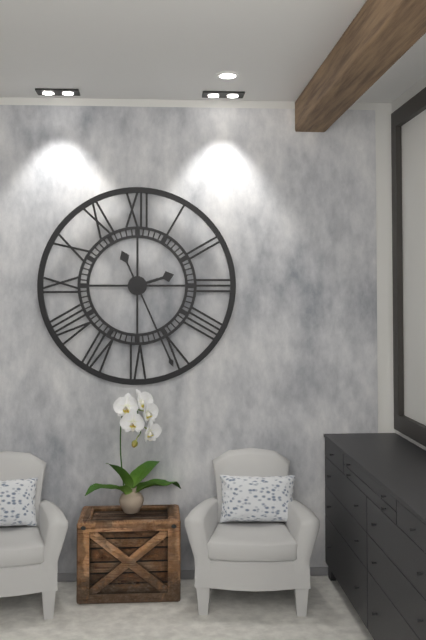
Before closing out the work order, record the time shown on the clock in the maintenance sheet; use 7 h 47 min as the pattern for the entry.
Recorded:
2 h 26 min
